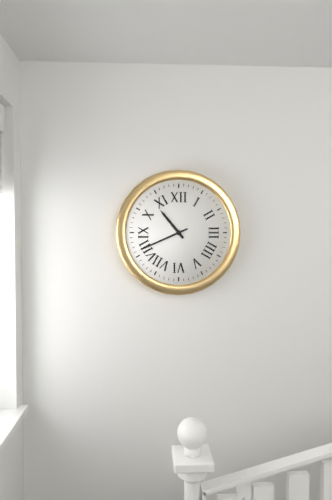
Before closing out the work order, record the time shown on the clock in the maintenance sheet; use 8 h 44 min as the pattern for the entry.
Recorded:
10 h 41 min
